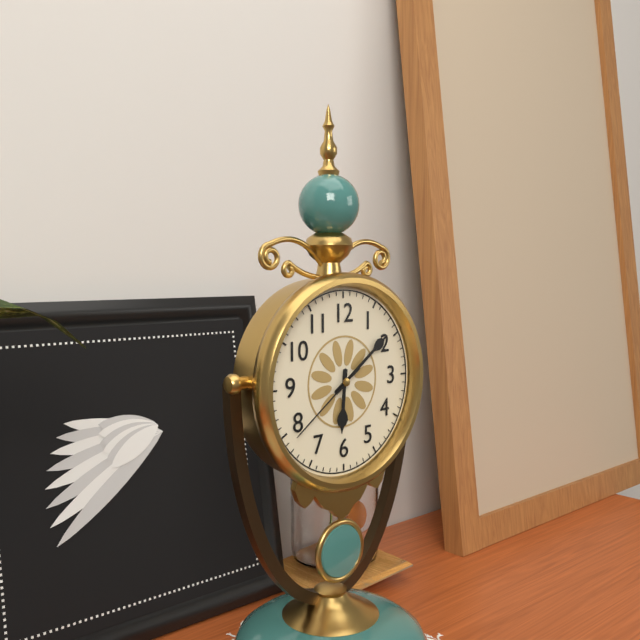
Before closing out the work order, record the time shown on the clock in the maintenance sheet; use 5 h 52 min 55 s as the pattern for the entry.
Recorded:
6 h 09 min 39 s
